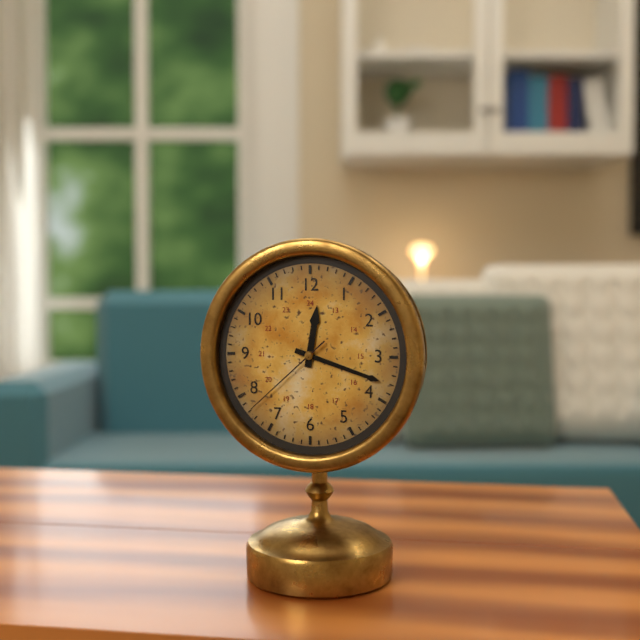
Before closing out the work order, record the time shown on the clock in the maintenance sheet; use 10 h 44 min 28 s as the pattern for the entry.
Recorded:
12 h 18 min 38 s
